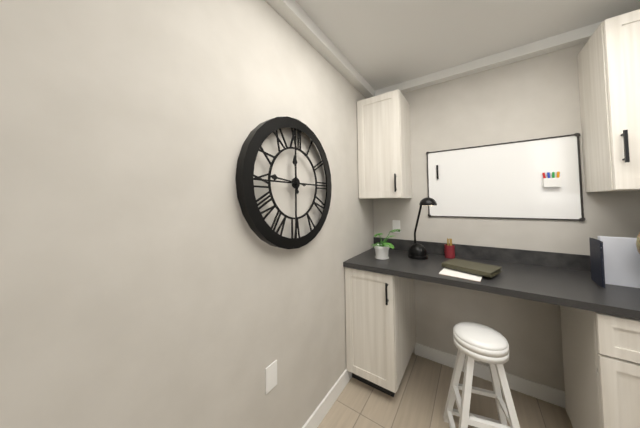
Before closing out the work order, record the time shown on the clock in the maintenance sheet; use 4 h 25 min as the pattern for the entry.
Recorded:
11 h 46 min
